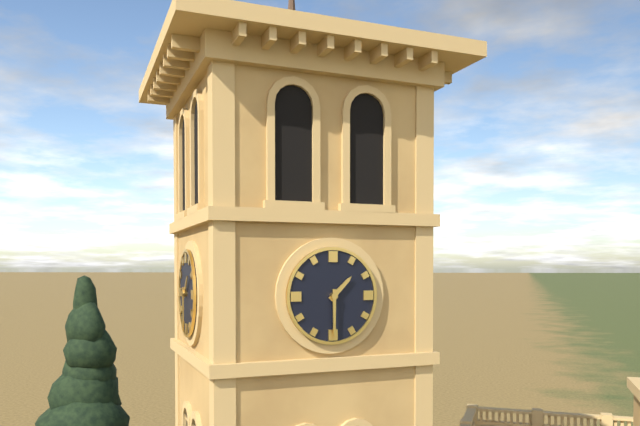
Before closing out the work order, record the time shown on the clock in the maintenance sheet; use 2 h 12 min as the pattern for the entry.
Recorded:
1 h 30 min
